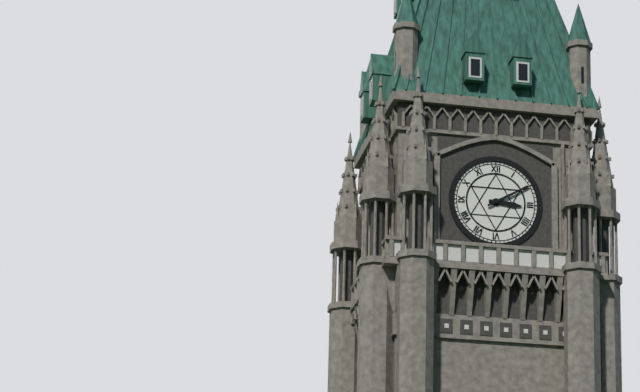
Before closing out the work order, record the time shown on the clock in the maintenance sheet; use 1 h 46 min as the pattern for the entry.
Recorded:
3 h 10 min
